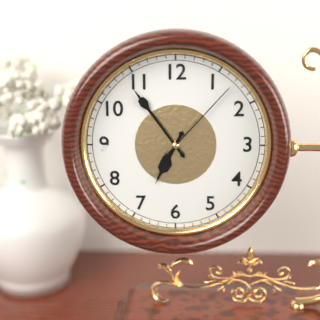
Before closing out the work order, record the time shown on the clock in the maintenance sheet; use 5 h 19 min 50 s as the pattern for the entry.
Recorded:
6 h 54 min 07 s
